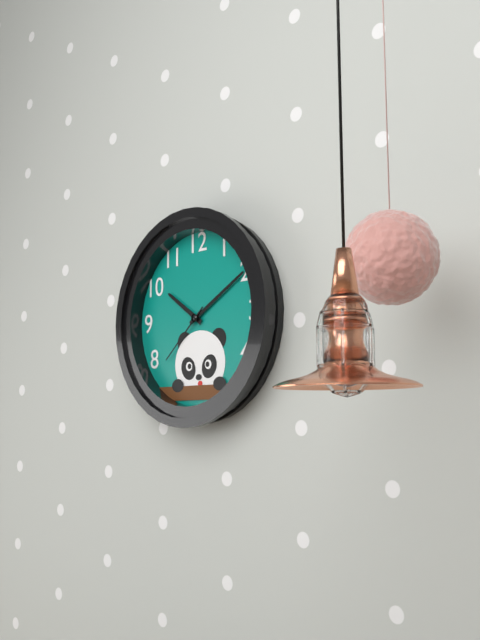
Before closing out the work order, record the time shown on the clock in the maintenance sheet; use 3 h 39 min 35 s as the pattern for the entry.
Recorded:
10 h 10 min 38 s
